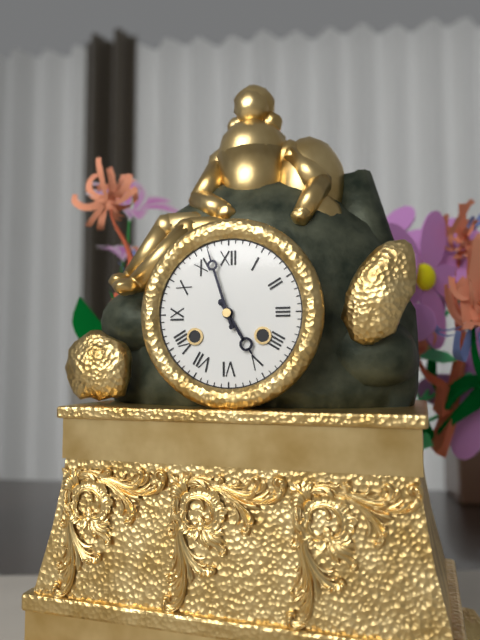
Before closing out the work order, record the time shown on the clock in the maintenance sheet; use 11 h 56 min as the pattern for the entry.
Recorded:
4 h 57 min
